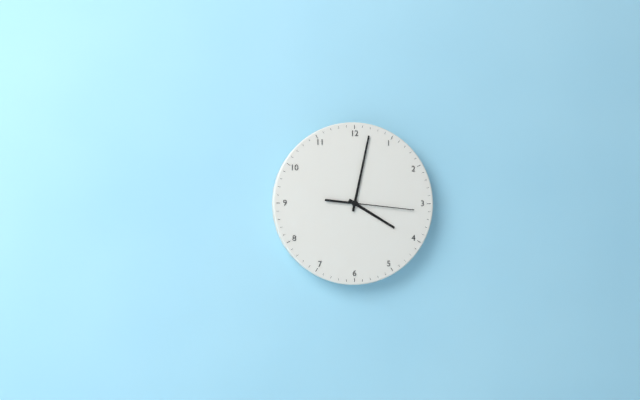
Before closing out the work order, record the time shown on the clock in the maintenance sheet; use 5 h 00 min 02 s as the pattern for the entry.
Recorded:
4 h 02 min 16 s
